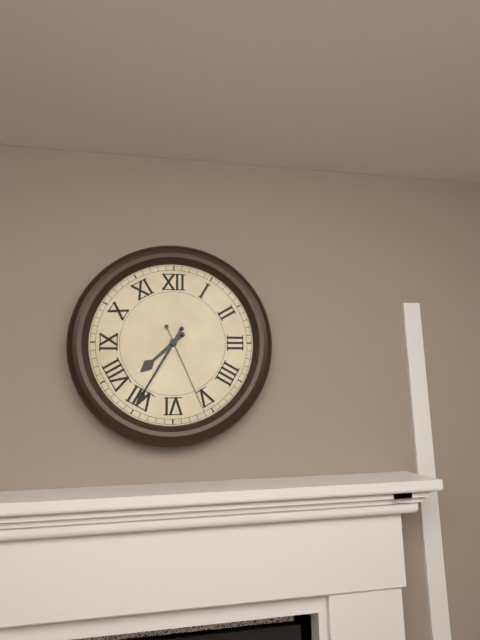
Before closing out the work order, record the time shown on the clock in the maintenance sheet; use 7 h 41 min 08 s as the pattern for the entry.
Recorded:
7 h 35 min 26 s
